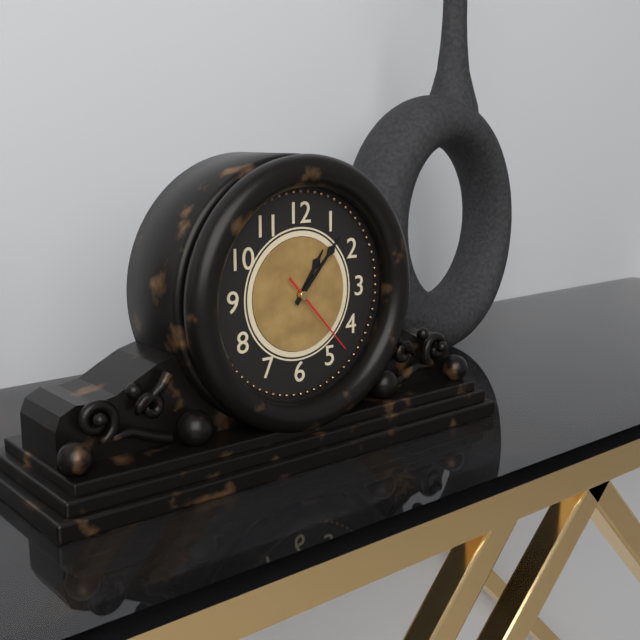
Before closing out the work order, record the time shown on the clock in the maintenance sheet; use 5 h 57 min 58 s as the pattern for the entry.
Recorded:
1 h 07 min 23 s
